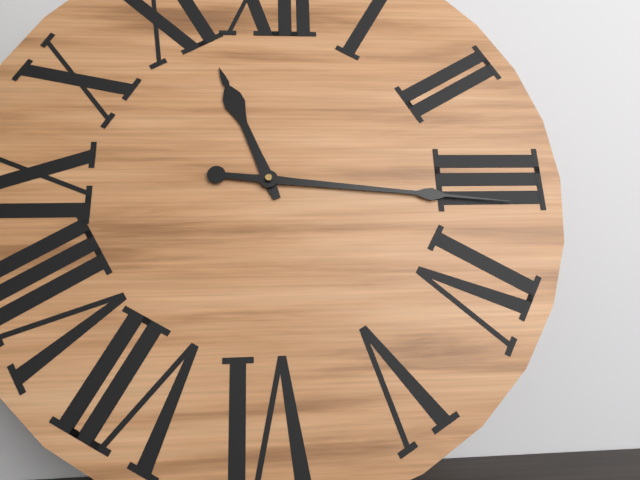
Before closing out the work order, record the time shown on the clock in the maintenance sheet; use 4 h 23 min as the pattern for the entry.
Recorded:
11 h 16 min
